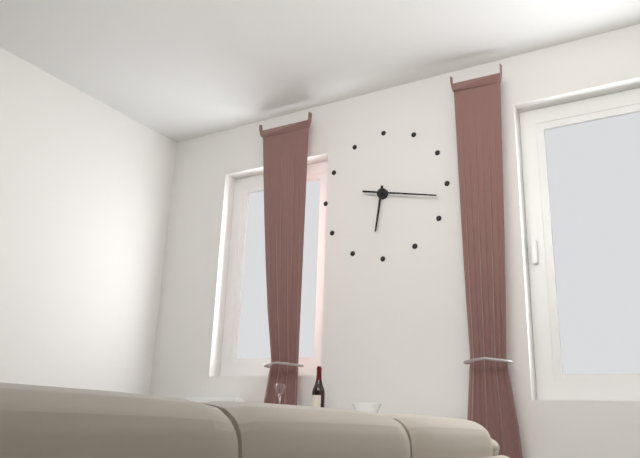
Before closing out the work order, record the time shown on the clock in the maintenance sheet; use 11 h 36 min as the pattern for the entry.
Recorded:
6 h 17 min
